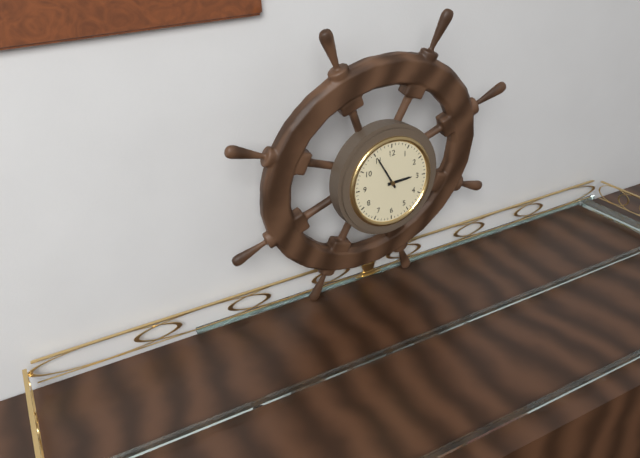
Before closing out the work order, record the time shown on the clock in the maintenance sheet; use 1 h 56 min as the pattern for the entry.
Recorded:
2 h 55 min
